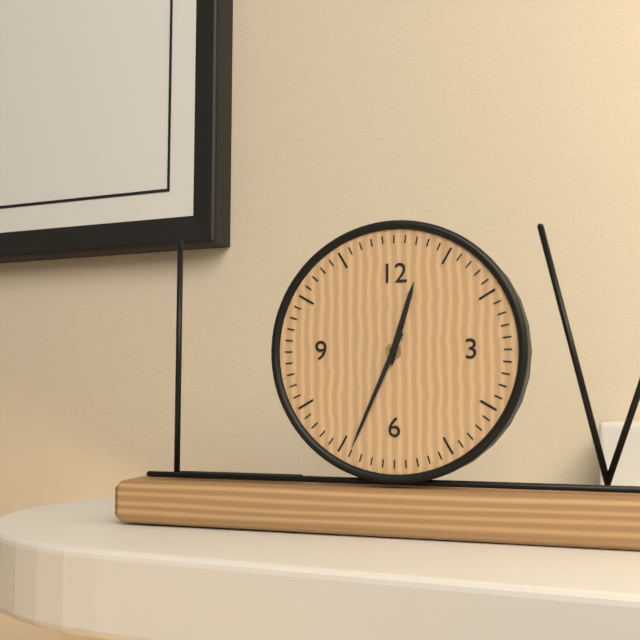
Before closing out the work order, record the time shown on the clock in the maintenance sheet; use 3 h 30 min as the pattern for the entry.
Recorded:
12 h 34 min
